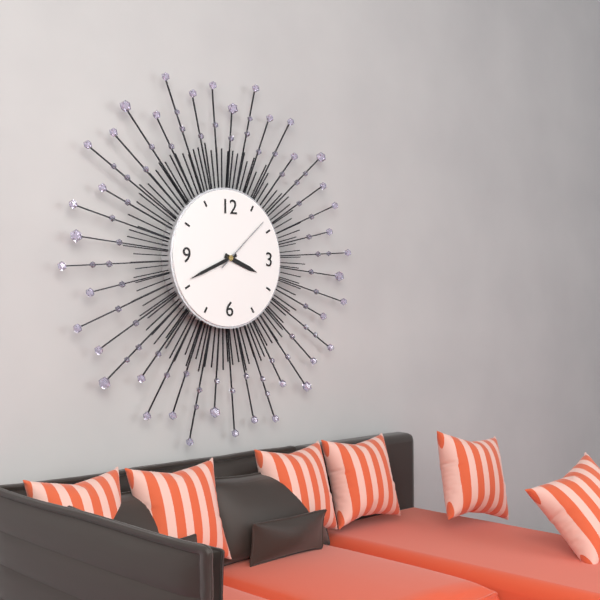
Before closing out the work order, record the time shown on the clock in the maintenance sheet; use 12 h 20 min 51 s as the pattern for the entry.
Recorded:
3 h 41 min 08 s
